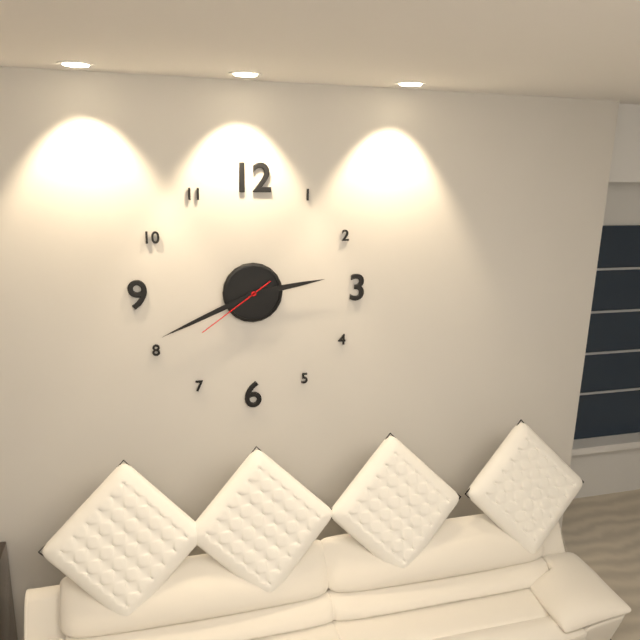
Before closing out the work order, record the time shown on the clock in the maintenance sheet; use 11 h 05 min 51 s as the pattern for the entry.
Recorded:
2 h 41 min 39 s
